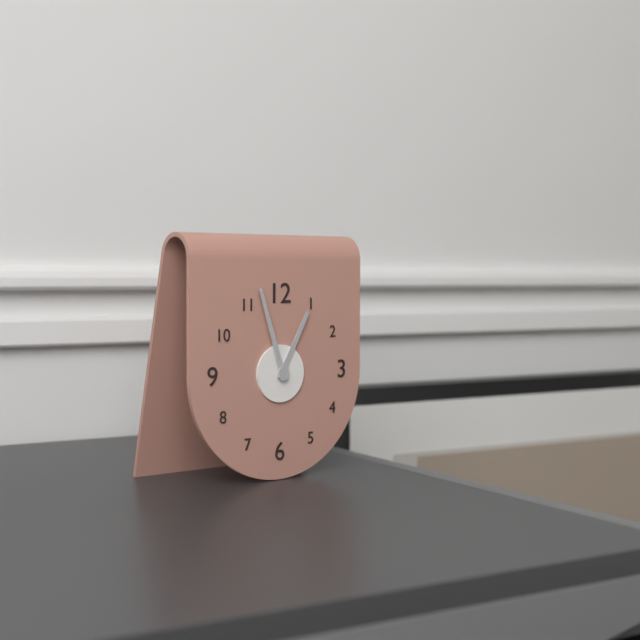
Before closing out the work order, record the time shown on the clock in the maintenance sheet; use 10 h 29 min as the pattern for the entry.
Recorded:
12 h 57 min
